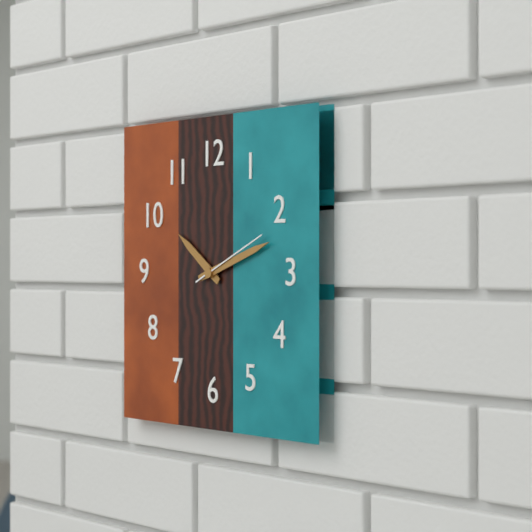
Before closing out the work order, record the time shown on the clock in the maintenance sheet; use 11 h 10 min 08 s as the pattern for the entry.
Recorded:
10 h 12 min 11 s
